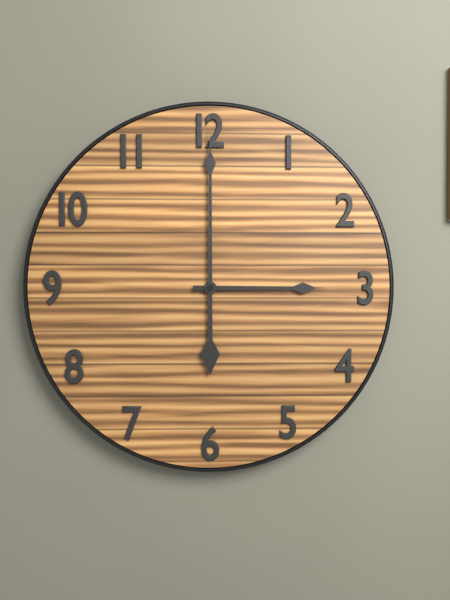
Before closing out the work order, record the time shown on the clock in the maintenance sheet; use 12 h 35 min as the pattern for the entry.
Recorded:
3 h 00 min
